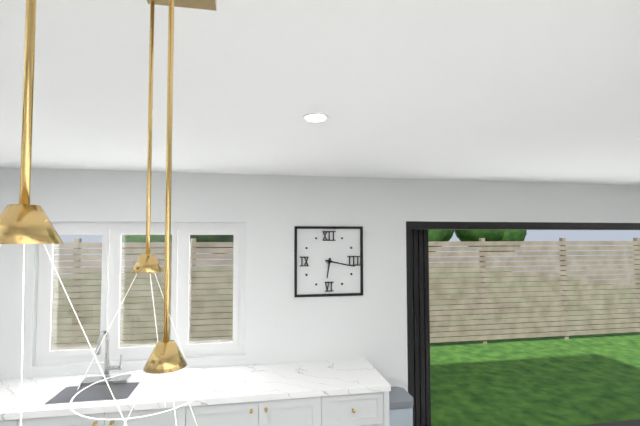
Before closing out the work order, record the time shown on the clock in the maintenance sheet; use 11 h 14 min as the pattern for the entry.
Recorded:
6 h 17 min
